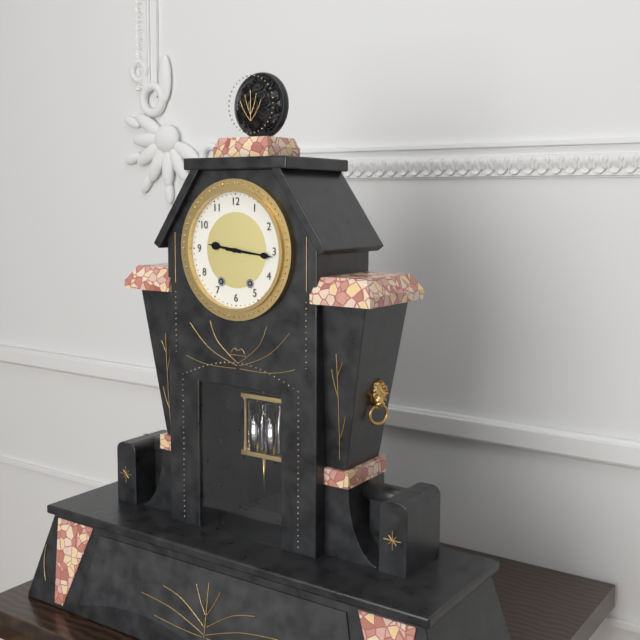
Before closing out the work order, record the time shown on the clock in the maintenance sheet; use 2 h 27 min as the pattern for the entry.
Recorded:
9 h 16 min
